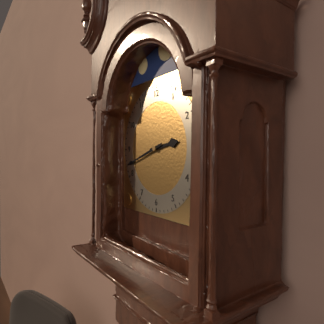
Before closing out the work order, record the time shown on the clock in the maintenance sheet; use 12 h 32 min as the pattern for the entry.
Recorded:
2 h 42 min
